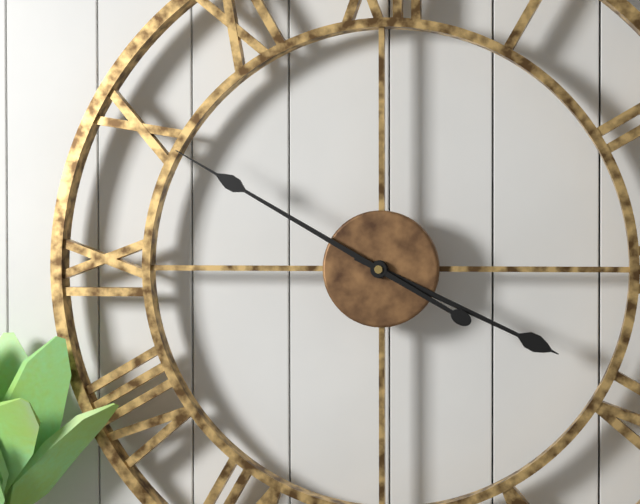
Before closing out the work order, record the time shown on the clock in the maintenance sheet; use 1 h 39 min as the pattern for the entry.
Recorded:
3 h 50 min
